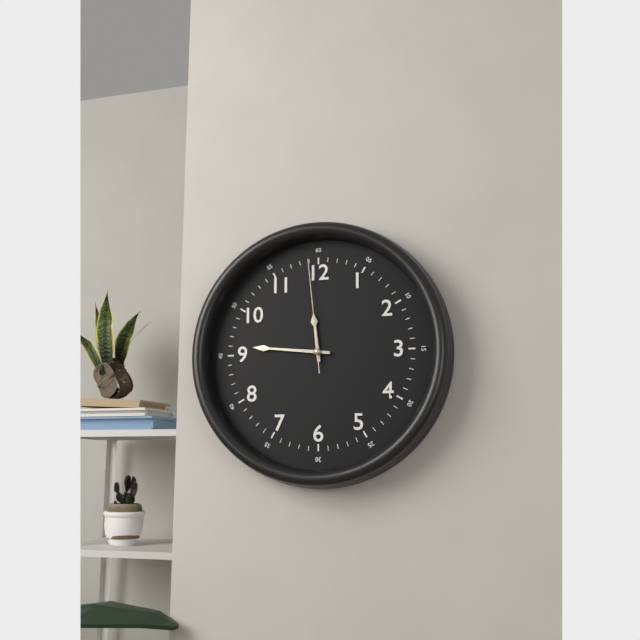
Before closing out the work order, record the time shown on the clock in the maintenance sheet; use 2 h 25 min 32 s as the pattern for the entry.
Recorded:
11 h 46 min 59 s
